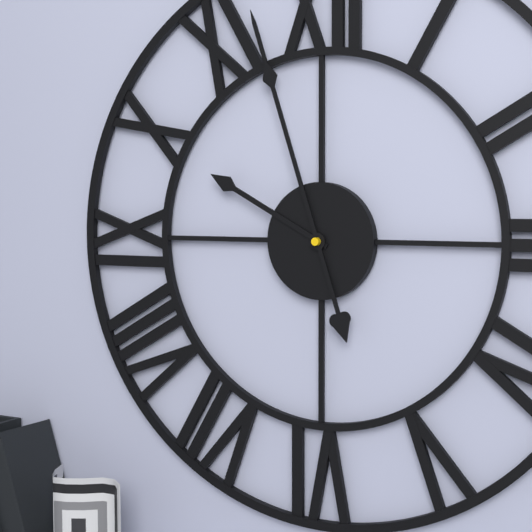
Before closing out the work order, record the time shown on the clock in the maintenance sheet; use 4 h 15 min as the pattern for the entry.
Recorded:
9 h 57 min
